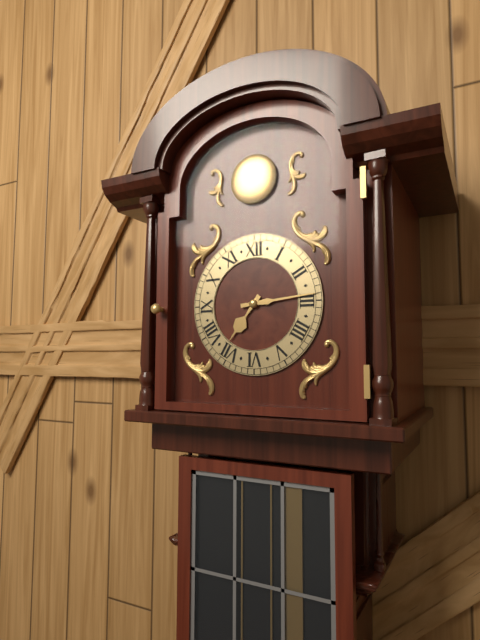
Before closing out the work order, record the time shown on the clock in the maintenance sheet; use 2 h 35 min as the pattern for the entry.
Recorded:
7 h 14 min
